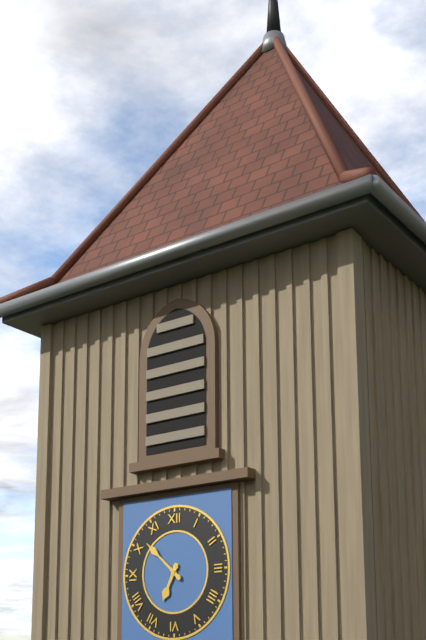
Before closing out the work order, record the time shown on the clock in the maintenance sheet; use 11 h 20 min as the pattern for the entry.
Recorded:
6 h 52 min
